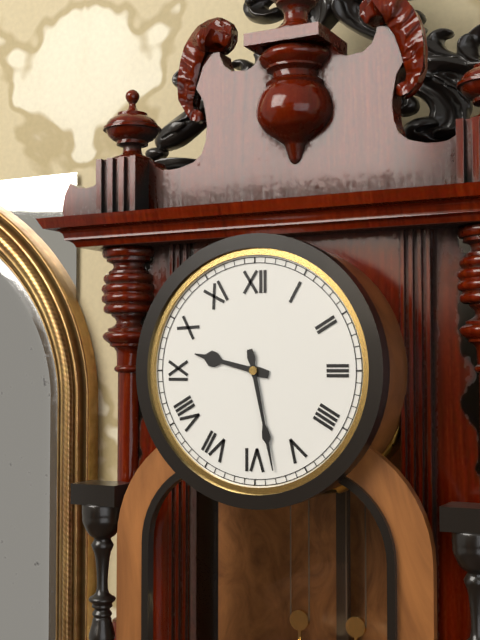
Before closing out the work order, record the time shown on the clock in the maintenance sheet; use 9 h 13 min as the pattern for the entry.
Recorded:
9 h 28 min
